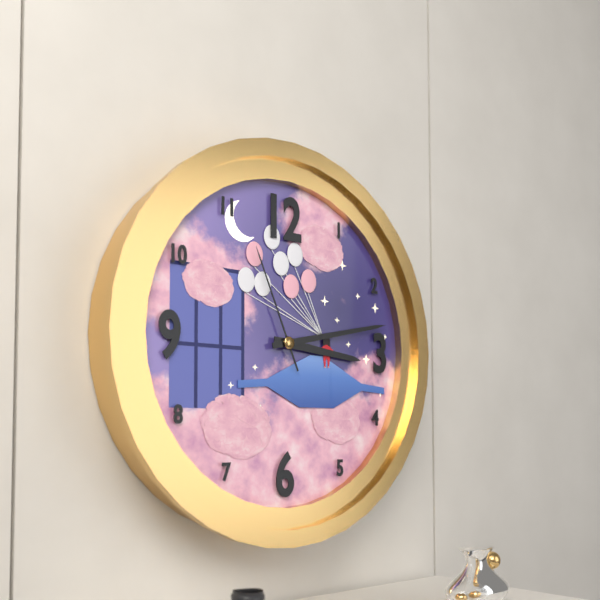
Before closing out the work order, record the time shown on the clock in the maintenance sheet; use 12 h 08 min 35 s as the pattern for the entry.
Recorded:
3 h 13 min 56 s
